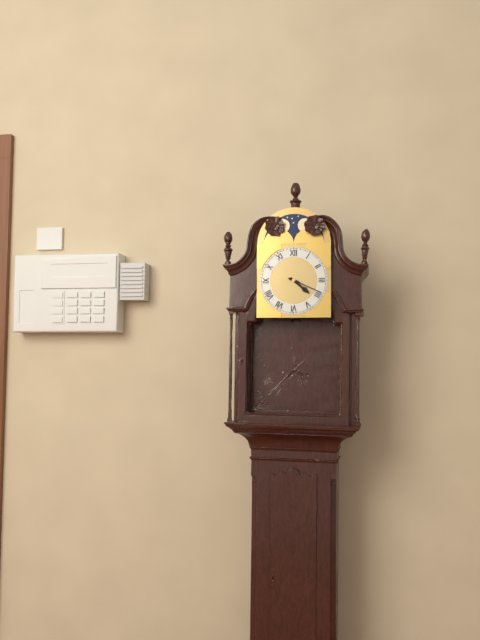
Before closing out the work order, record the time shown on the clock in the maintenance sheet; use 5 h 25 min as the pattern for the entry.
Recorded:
4 h 19 min
